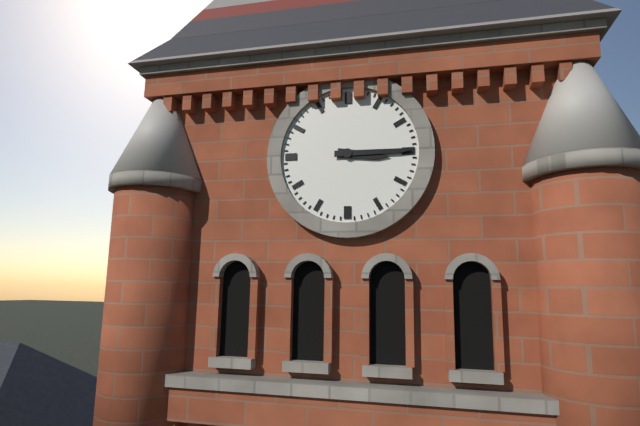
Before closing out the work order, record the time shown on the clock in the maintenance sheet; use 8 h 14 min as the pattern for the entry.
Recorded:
3 h 15 min
